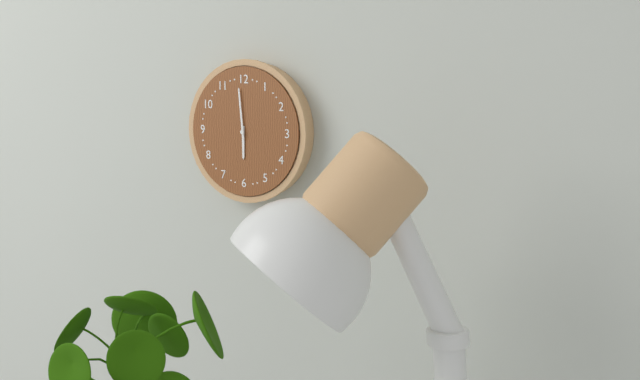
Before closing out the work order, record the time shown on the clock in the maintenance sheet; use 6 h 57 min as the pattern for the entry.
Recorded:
5 h 59 min
